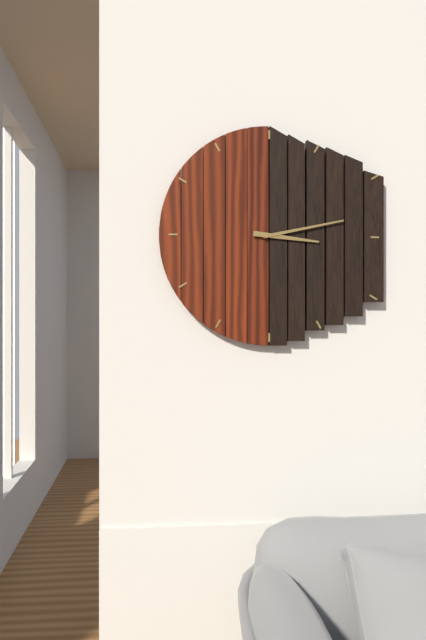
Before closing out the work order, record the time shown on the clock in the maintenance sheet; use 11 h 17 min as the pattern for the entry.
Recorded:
3 h 13 min
